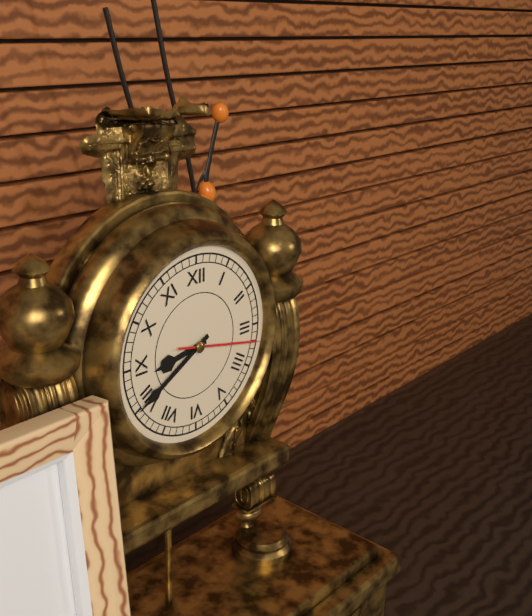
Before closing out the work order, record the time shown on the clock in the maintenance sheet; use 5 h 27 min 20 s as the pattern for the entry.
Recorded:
8 h 40 min 17 s
